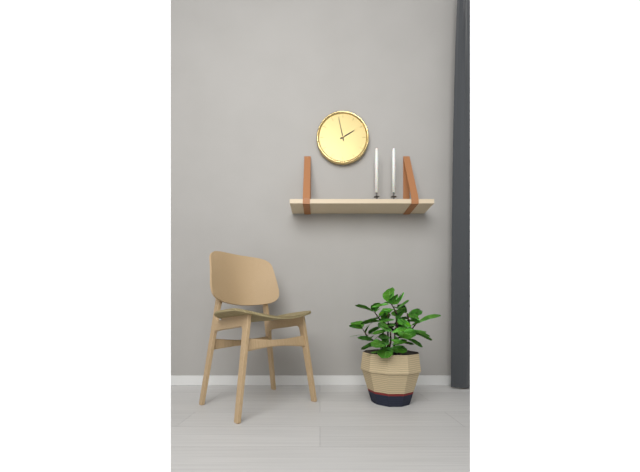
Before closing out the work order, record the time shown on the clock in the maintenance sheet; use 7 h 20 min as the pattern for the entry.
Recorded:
1 h 58 min
